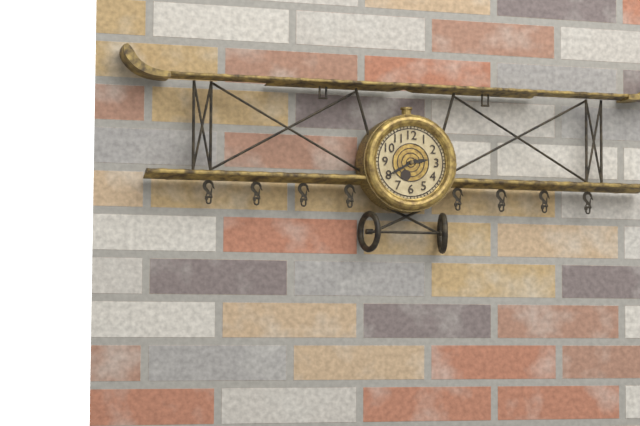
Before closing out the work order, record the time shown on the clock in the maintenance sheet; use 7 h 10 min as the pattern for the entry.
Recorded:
2 h 40 min
